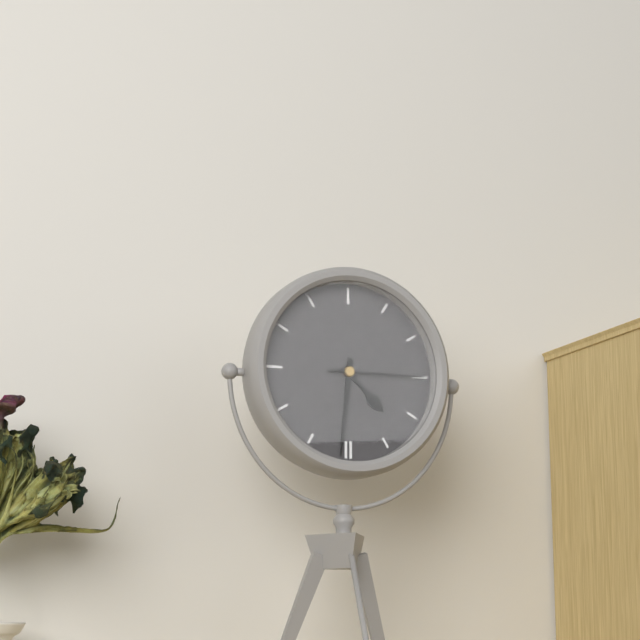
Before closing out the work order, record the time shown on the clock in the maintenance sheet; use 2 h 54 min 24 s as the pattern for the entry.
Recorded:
4 h 31 min 15 s
